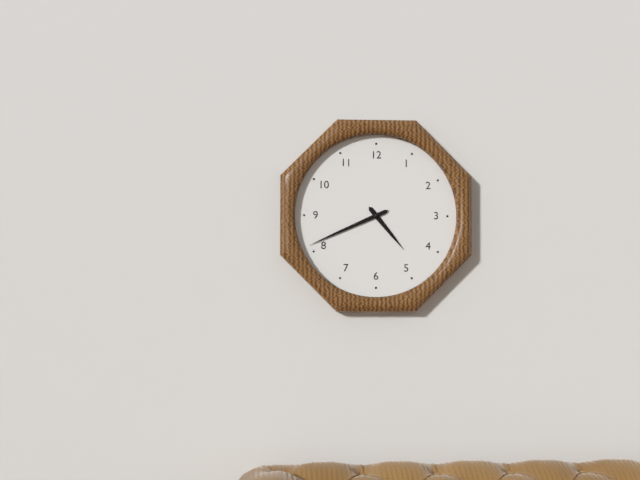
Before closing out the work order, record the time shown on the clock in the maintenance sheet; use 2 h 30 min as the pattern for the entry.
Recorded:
4 h 41 min
